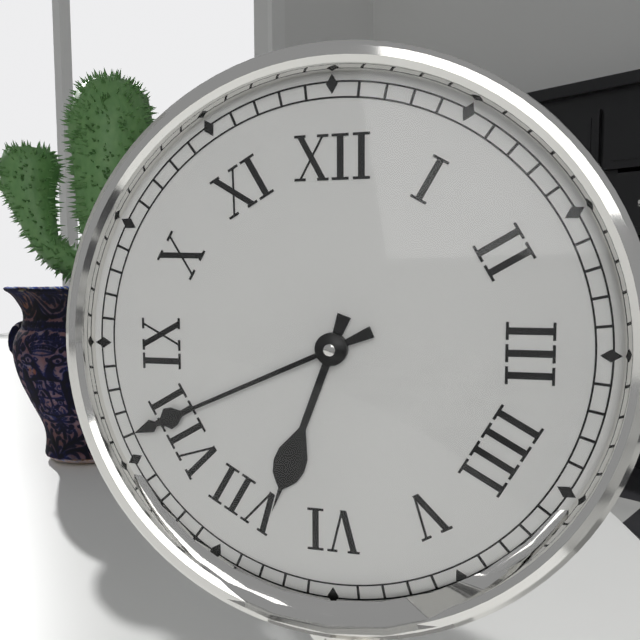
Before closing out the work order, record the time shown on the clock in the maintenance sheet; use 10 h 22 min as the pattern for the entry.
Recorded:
6 h 41 min
